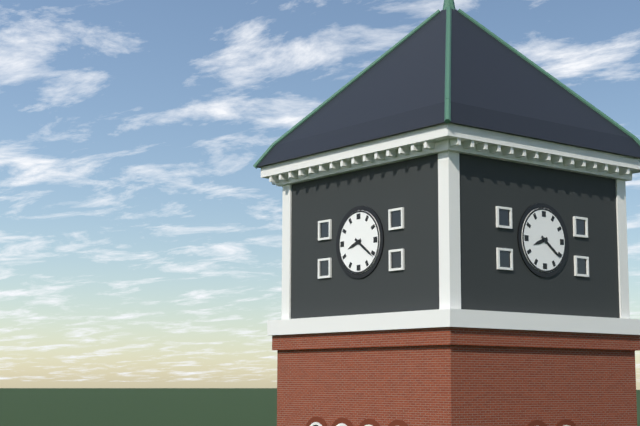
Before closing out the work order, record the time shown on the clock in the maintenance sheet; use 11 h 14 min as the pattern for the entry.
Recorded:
8 h 21 min
